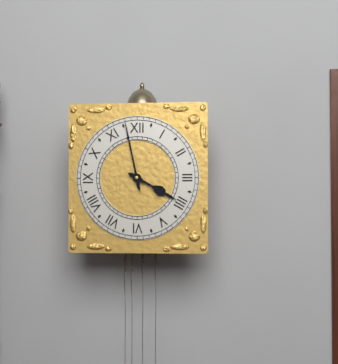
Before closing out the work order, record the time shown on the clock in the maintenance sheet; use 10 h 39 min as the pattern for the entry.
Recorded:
3 h 58 min
